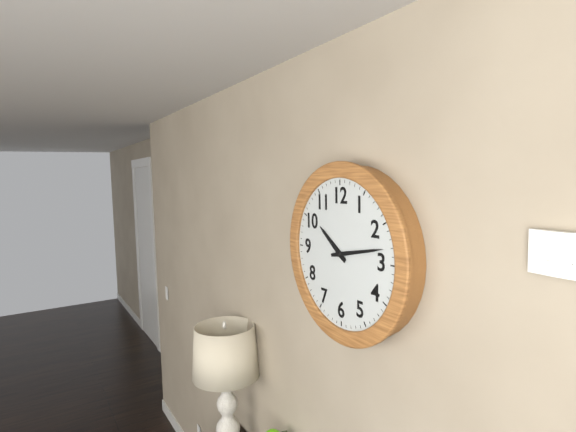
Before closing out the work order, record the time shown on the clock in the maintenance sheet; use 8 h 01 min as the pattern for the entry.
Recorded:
10 h 13 min
